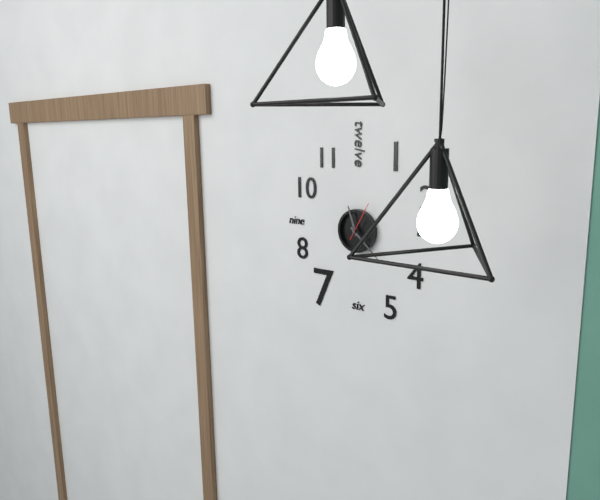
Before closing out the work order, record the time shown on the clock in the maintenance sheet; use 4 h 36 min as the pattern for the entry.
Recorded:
11 h 22 min
